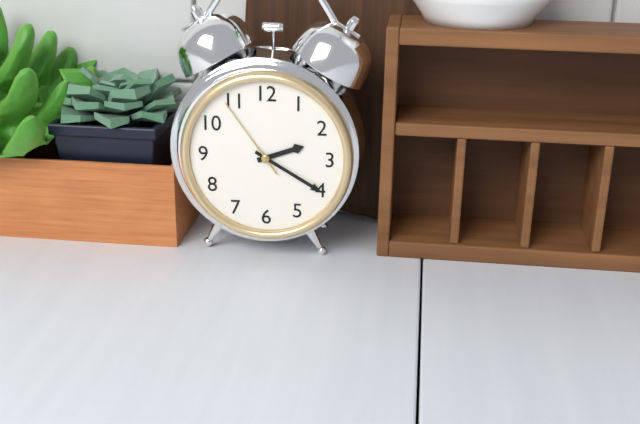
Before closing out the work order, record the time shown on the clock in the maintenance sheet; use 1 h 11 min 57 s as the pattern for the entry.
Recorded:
2 h 20 min 54 s
